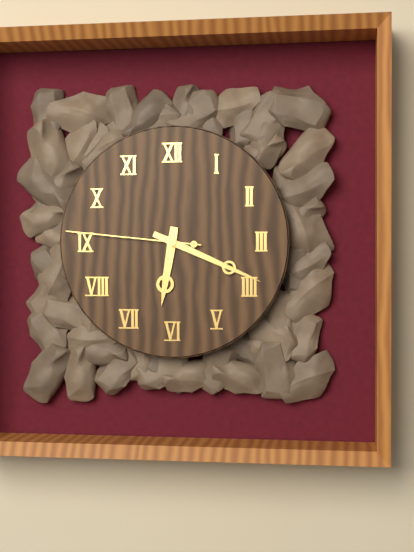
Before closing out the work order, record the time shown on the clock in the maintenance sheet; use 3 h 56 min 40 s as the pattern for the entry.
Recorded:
6 h 19 min 46 s
